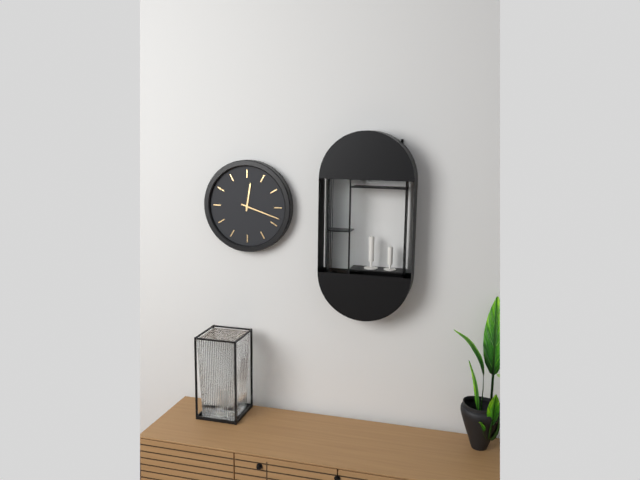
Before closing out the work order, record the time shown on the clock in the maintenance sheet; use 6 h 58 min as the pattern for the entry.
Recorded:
12 h 18 min
